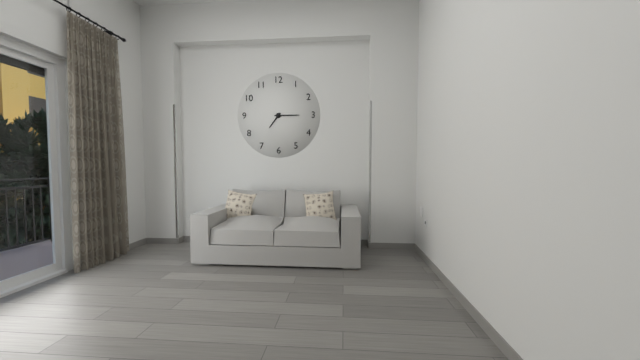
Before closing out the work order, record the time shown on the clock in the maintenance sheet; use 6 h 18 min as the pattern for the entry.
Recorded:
7 h 15 min
